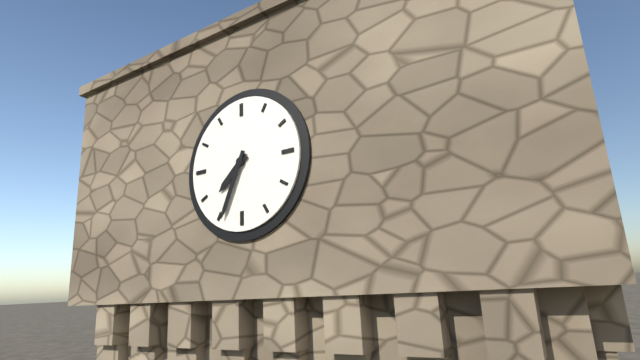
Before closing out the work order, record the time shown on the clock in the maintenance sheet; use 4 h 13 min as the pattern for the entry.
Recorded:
7 h 34 min
